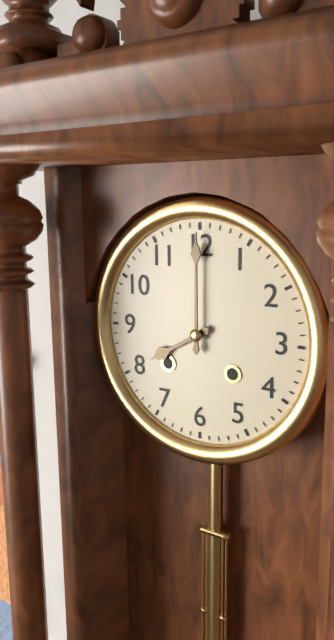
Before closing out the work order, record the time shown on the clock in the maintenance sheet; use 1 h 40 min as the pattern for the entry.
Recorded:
8 h 00 min
